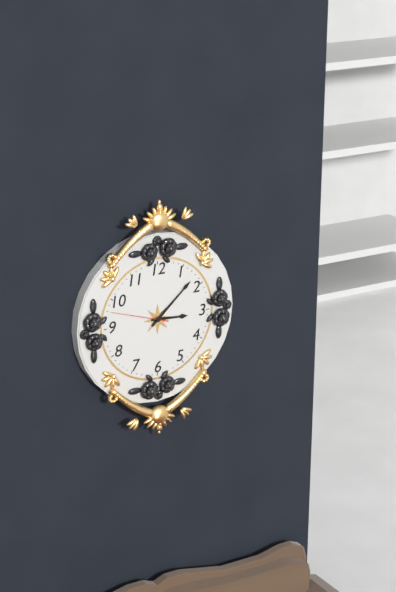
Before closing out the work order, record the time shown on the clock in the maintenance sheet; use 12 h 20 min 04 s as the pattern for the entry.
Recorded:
3 h 08 min 48 s
